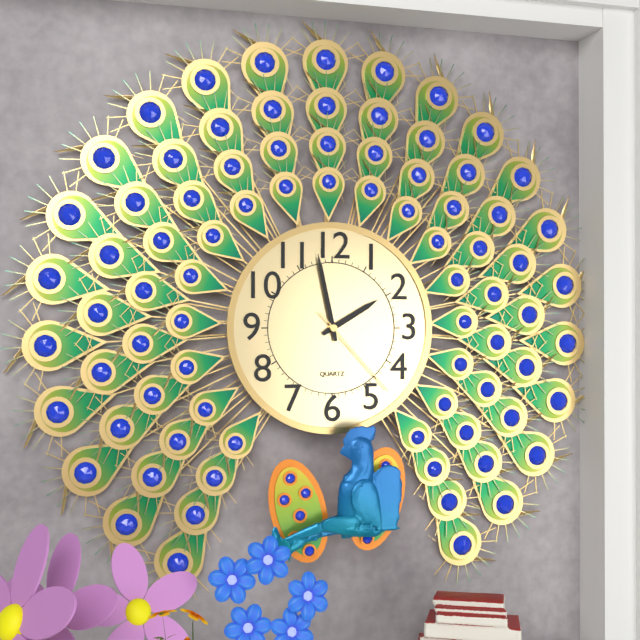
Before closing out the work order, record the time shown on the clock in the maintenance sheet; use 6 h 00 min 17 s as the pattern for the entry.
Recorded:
1 h 58 min 23 s
